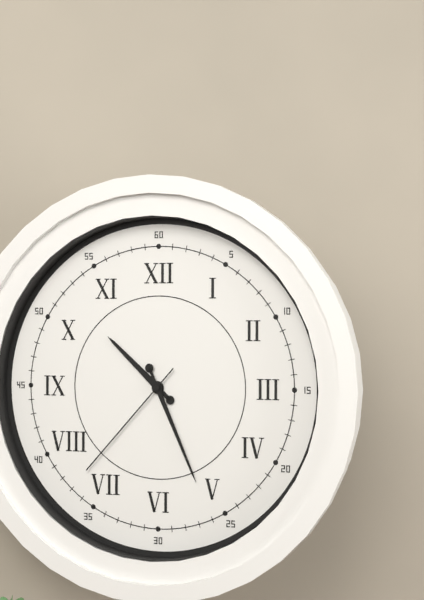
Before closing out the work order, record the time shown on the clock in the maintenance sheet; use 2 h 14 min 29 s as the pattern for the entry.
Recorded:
10 h 26 min 37 s
